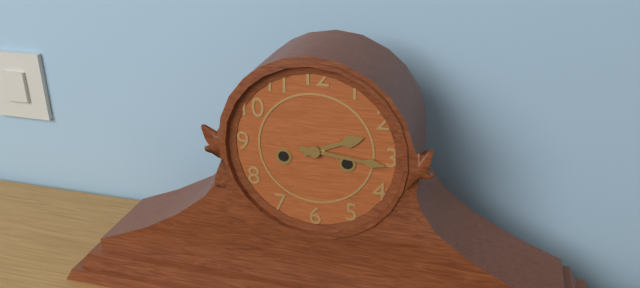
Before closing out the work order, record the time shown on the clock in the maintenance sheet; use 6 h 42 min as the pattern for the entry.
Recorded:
2 h 16 min
